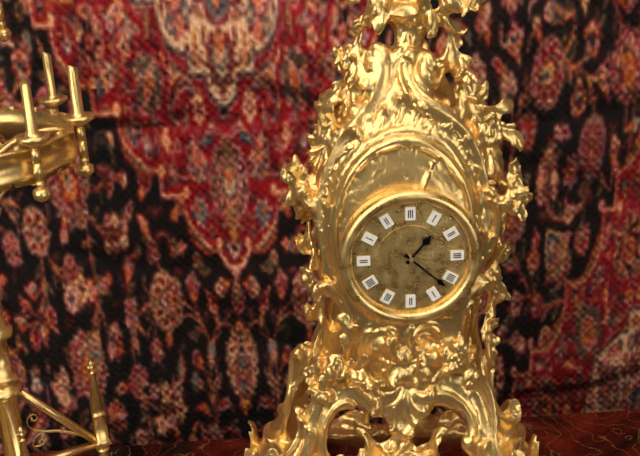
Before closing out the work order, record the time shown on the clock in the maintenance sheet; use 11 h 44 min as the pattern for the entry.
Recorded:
1 h 22 min
